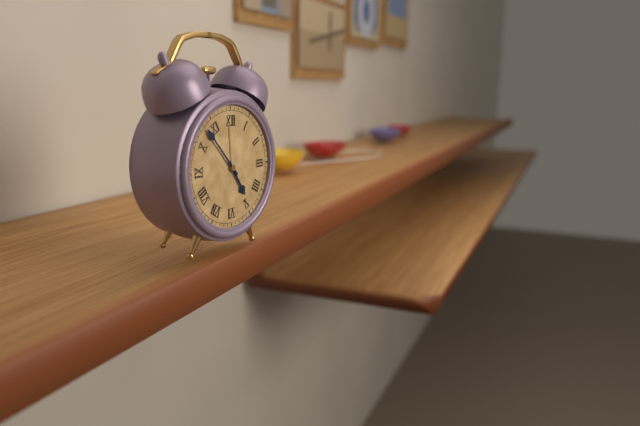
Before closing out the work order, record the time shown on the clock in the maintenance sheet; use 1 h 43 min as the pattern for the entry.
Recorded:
4 h 53 min
